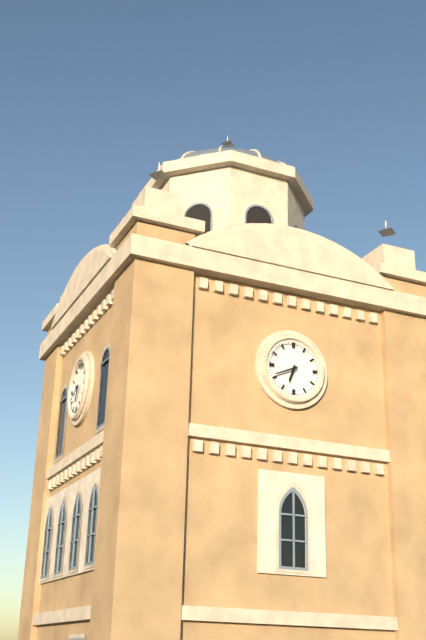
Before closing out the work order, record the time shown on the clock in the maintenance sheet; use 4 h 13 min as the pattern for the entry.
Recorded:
6 h 41 min
